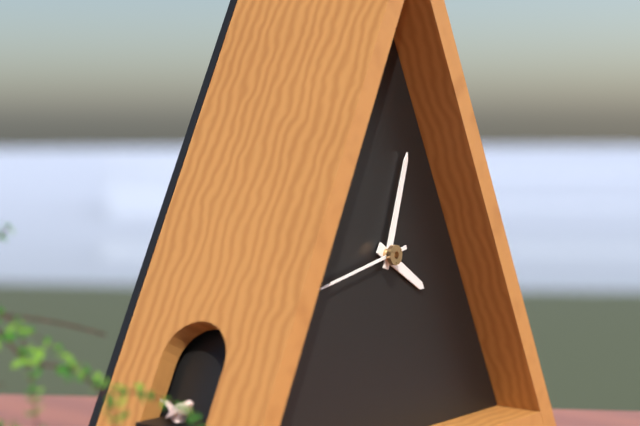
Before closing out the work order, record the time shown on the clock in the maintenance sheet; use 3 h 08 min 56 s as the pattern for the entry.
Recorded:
4 h 03 min 43 s
